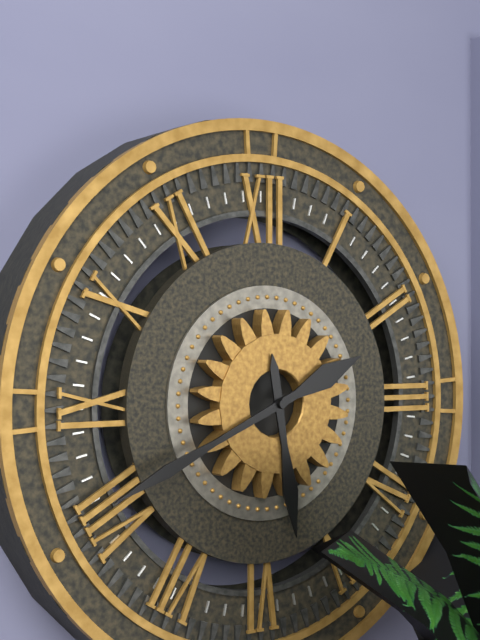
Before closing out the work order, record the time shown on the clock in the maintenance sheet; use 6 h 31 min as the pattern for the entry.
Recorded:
5 h 41 min
